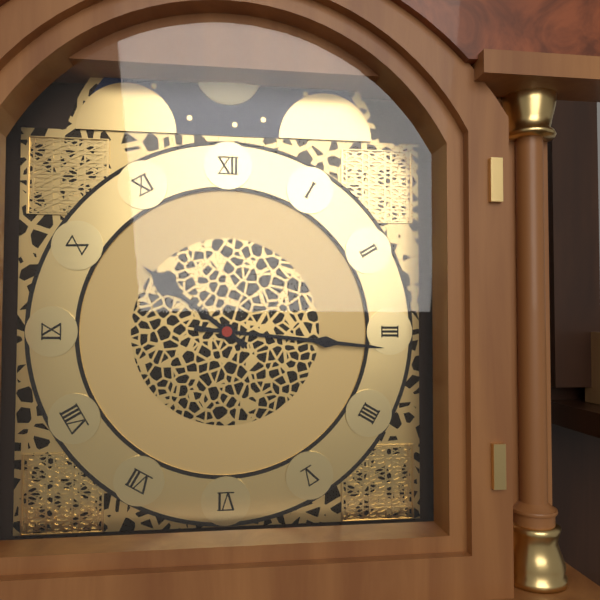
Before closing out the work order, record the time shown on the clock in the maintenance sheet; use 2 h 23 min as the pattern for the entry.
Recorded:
10 h 16 min
